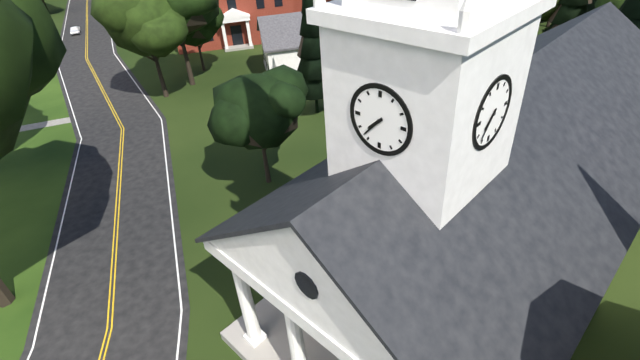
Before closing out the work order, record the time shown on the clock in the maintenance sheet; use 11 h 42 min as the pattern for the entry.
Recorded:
7 h 37 min
